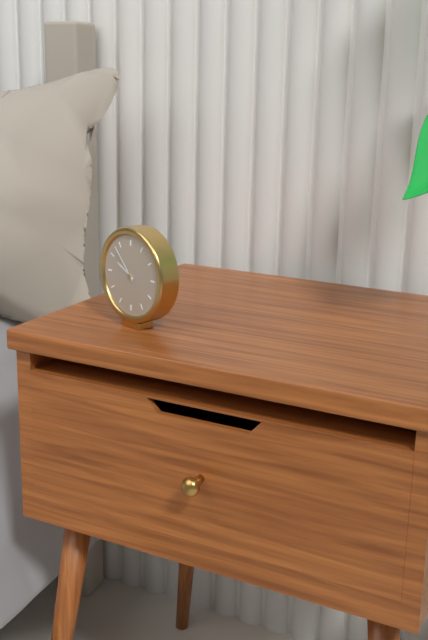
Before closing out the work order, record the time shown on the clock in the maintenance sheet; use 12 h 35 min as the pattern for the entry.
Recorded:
9 h 53 min
